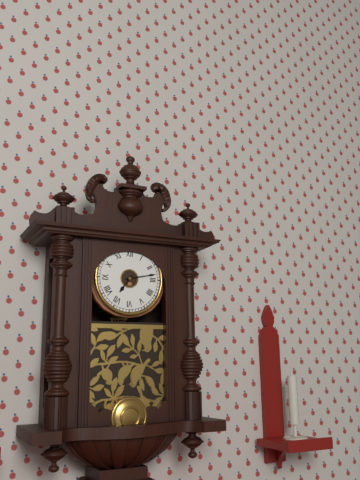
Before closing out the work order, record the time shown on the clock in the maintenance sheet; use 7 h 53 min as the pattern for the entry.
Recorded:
7 h 13 min
